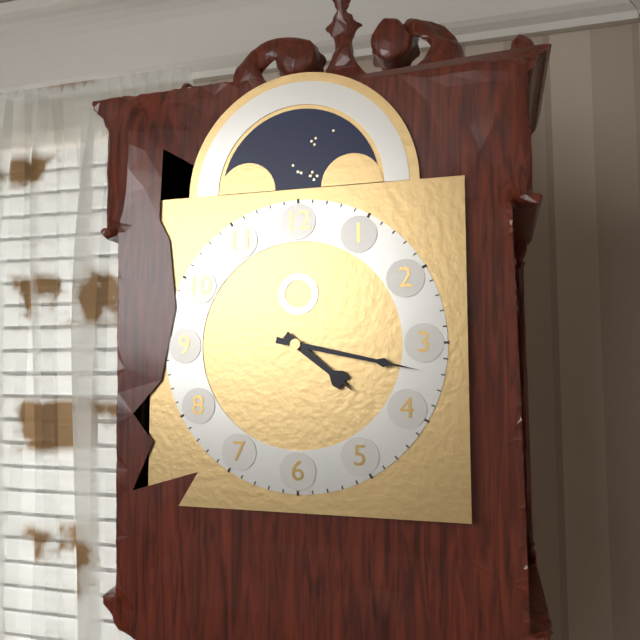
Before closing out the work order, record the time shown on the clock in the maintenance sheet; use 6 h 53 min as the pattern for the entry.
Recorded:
4 h 17 min
